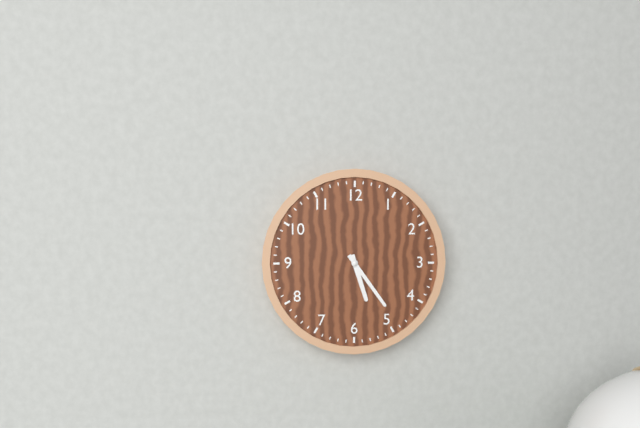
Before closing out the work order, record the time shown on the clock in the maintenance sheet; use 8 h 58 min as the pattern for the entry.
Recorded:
5 h 24 min
